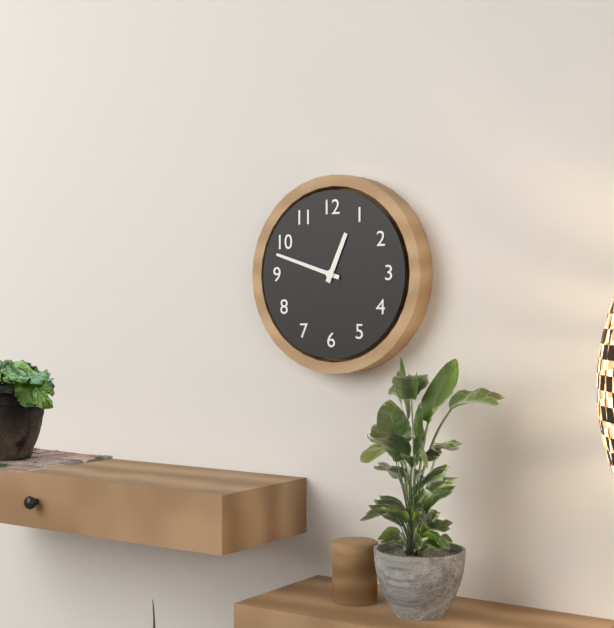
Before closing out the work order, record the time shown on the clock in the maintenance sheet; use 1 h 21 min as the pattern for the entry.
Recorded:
12 h 48 min
